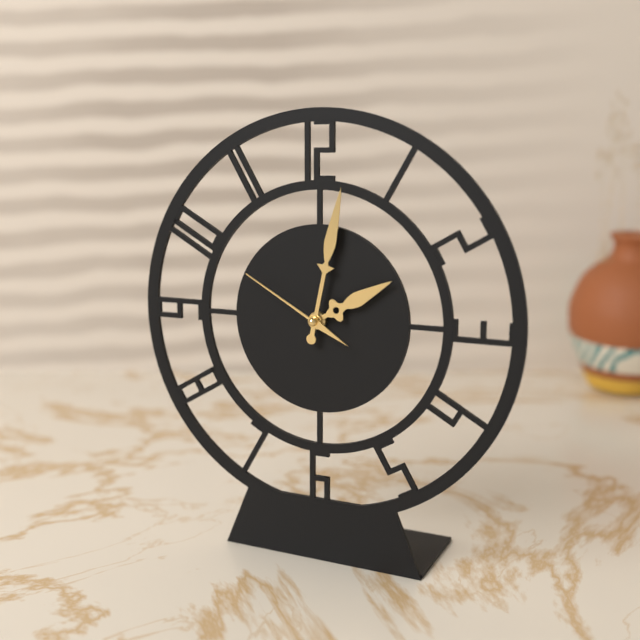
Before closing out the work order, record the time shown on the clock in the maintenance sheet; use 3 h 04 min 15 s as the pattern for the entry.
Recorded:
2 h 02 min 50 s
